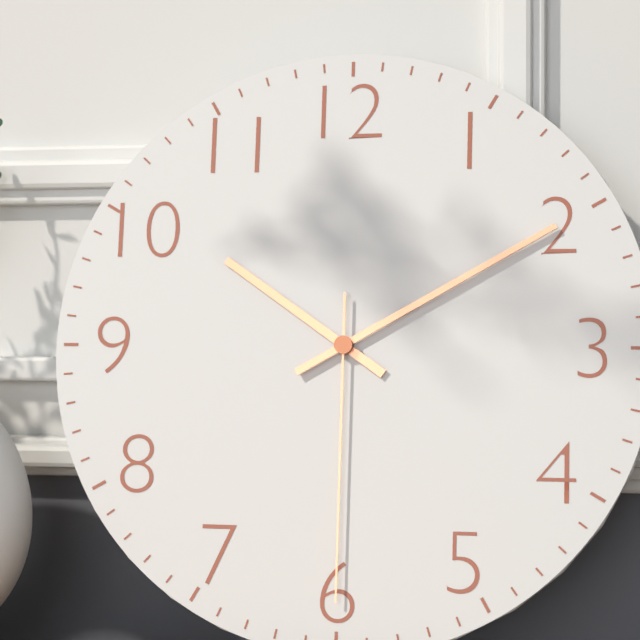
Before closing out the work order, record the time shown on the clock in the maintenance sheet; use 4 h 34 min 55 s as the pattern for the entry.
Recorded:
10 h 10 min 30 s
